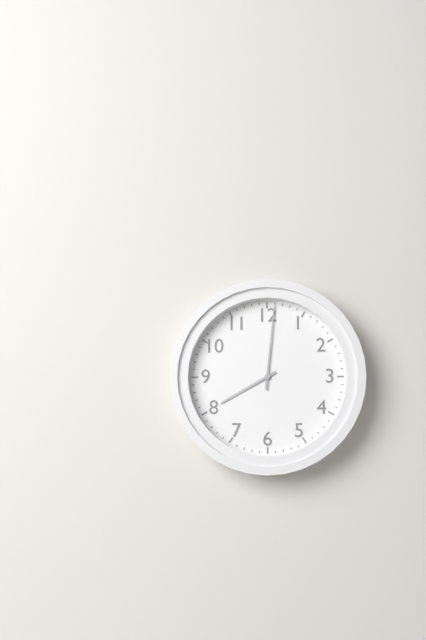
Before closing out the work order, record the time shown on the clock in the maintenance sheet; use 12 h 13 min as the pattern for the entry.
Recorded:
8 h 01 min
